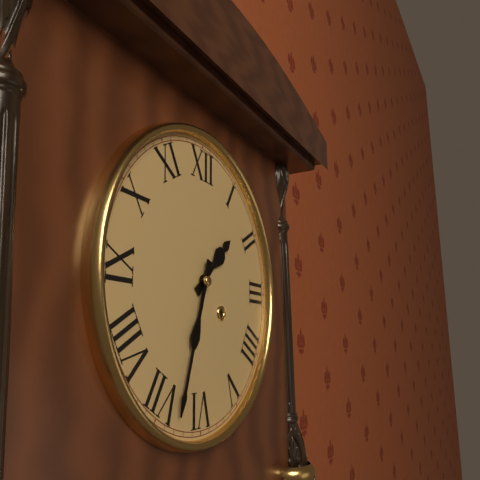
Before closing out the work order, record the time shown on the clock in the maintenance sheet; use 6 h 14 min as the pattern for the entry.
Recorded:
1 h 33 min
